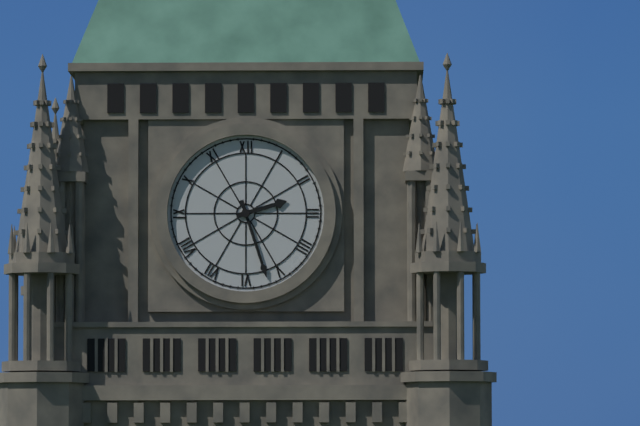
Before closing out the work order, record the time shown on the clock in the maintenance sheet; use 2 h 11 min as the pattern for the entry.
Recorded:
2 h 27 min
